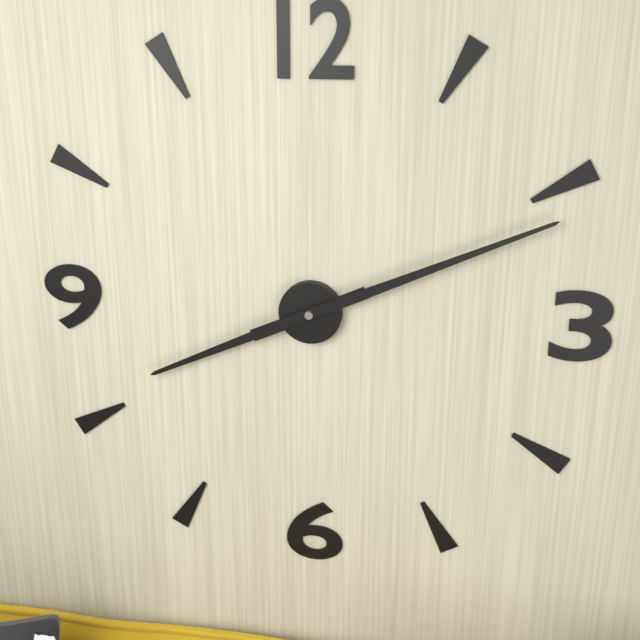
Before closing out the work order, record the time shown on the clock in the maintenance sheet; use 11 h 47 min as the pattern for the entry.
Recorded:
8 h 11 min
